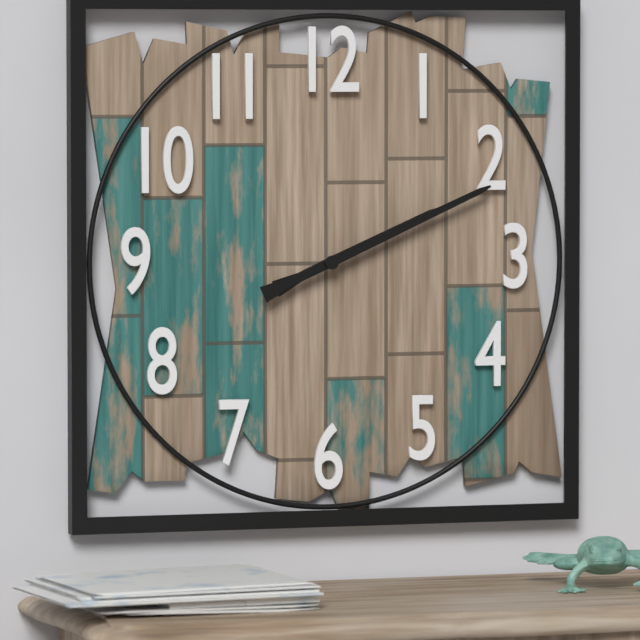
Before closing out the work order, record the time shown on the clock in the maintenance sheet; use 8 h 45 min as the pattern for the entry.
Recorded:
2 h 11 min
